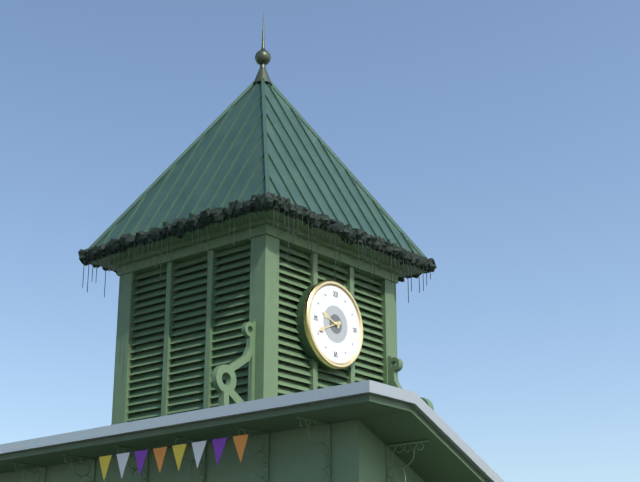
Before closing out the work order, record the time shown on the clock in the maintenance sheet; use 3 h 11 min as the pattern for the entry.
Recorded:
9 h 41 min
